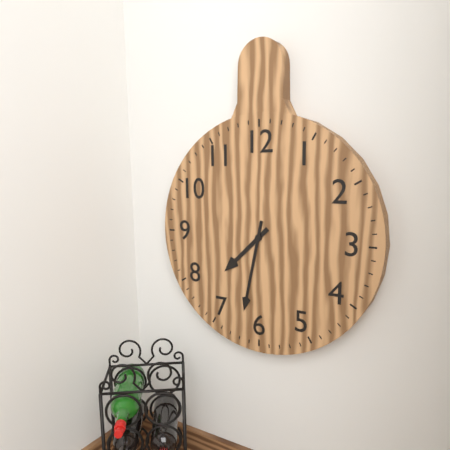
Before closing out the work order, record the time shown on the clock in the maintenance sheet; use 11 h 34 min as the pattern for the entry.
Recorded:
7 h 32 min
